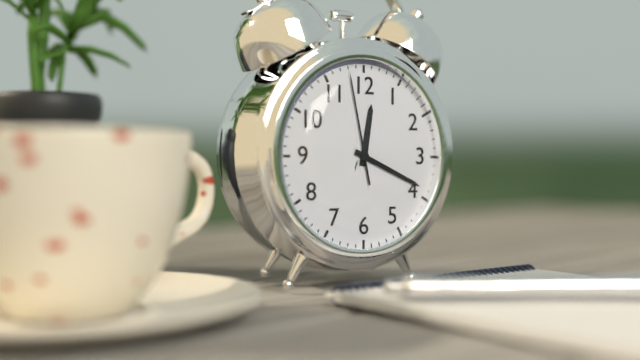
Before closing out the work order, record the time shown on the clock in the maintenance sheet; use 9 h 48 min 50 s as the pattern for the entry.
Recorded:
12 h 19 min 58 s
